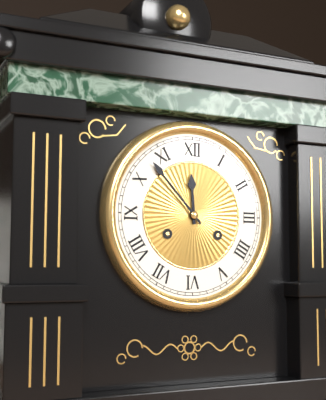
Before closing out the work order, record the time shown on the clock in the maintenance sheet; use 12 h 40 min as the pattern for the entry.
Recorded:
11 h 53 min
